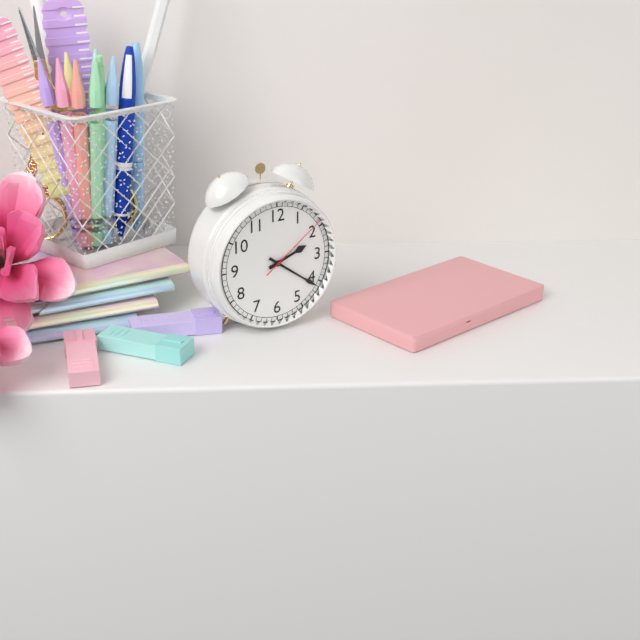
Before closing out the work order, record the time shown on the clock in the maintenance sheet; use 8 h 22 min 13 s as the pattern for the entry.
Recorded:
2 h 21 min 09 s
